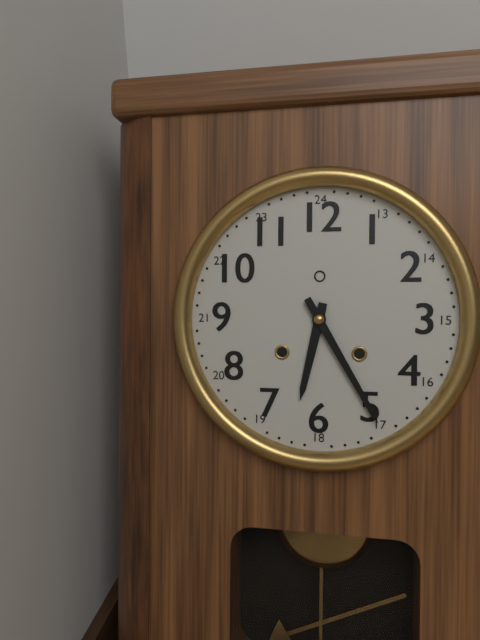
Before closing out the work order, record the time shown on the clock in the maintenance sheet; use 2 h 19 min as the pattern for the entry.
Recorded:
6 h 25 min
